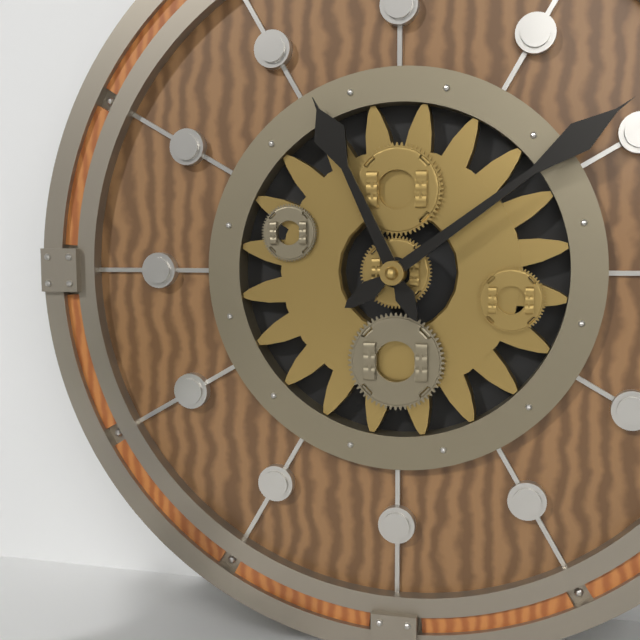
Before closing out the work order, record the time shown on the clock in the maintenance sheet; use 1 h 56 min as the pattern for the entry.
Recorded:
11 h 09 min
